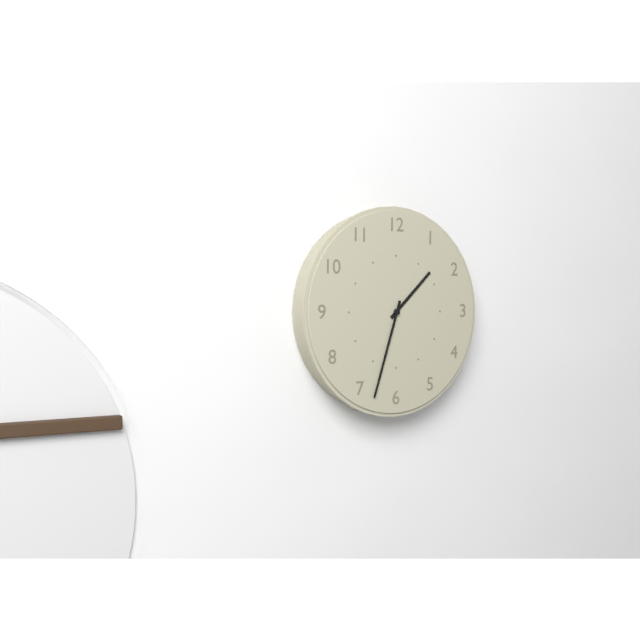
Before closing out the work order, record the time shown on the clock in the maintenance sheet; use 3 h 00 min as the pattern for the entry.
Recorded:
1 h 33 min
